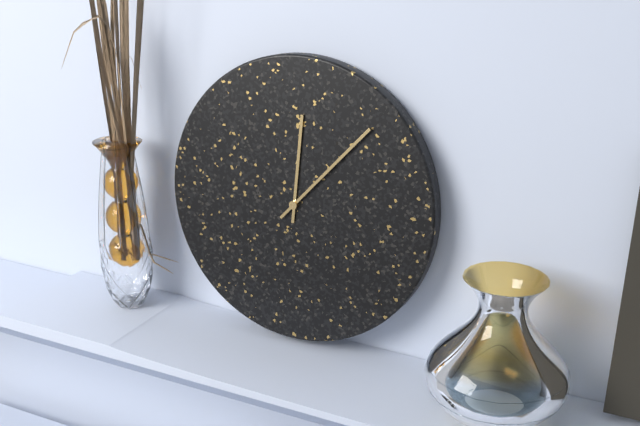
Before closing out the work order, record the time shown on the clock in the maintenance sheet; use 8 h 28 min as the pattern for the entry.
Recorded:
12 h 07 min
